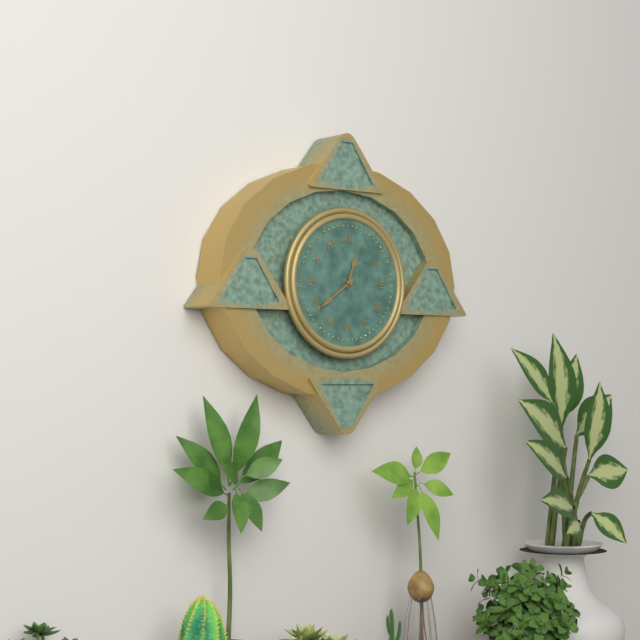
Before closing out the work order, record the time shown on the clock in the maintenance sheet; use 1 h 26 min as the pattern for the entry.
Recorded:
12 h 39 min
